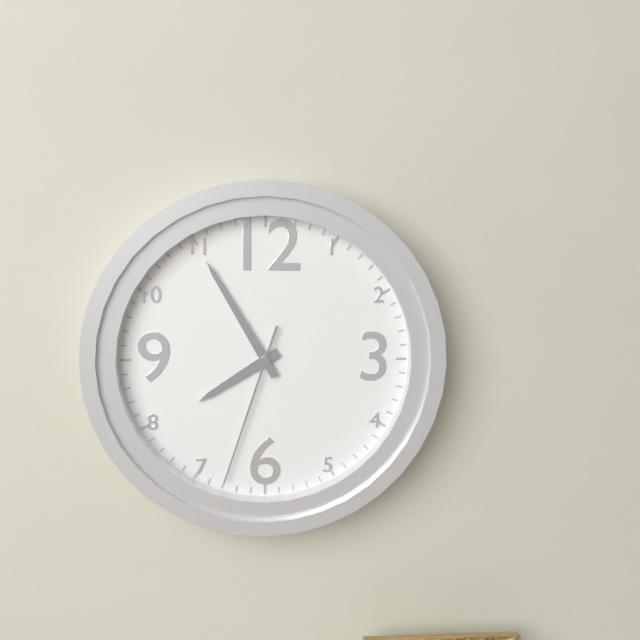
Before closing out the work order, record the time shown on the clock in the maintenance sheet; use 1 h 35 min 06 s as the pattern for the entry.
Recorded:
7 h 55 min 33 s
